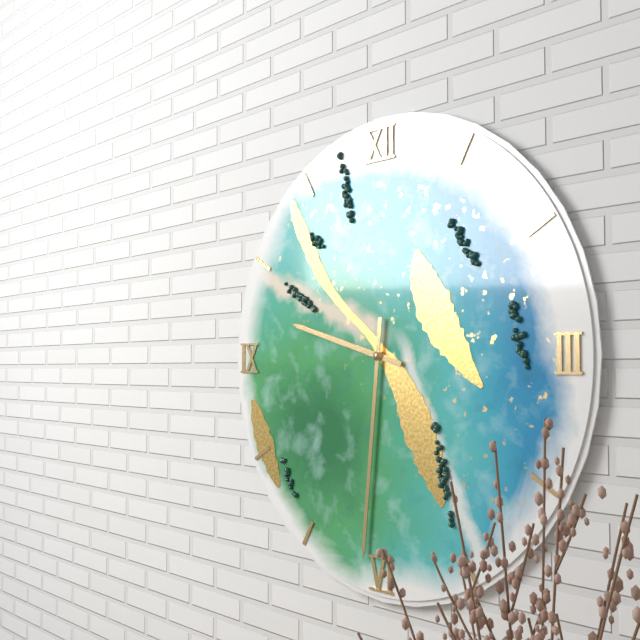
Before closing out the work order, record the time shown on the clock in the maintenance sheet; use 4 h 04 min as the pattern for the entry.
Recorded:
9 h 31 min
